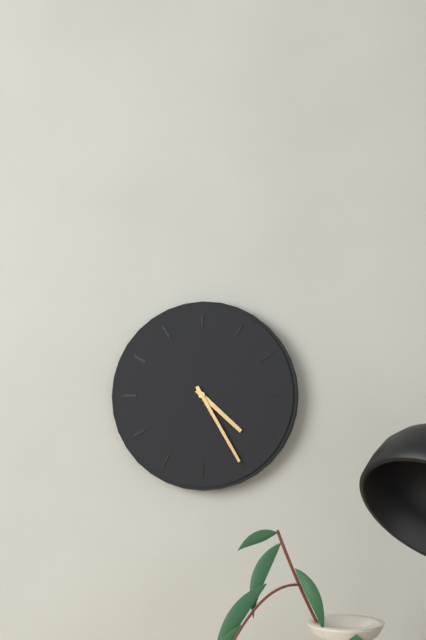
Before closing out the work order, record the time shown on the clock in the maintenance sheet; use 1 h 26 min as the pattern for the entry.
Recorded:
4 h 25 min
